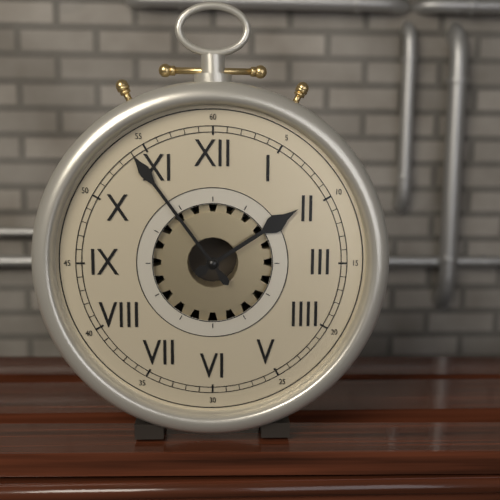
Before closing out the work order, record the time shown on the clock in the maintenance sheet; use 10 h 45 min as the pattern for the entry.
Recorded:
1 h 54 min
